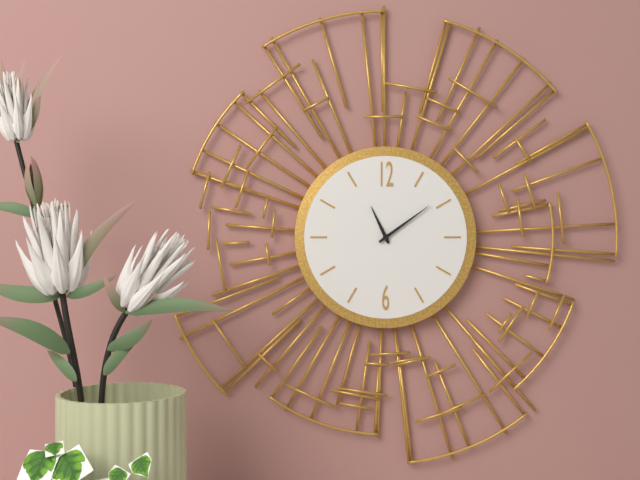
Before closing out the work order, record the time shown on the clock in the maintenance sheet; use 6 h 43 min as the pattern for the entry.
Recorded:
11 h 09 min
